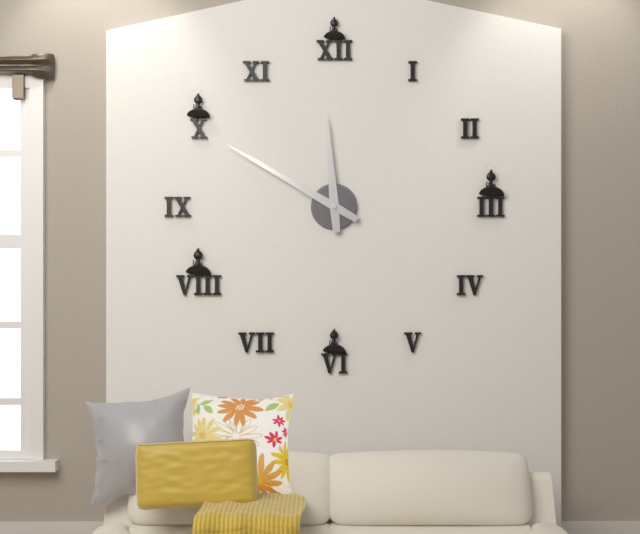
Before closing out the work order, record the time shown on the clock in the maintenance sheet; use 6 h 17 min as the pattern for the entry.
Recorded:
11 h 50 min
